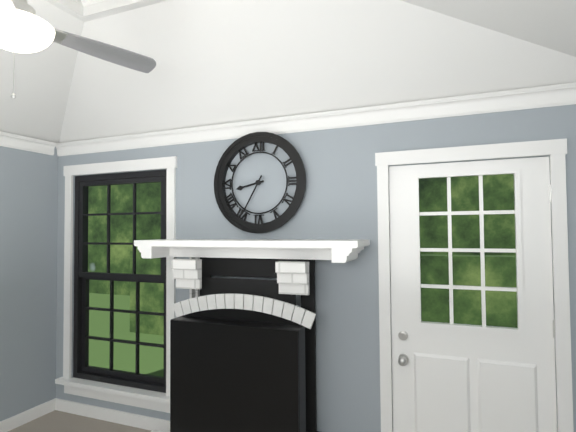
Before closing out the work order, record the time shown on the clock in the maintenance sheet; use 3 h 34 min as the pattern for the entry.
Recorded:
8 h 35 min
